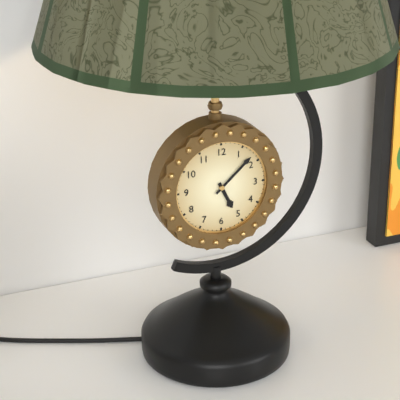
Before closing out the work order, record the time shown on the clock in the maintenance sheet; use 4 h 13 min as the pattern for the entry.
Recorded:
5 h 08 min
